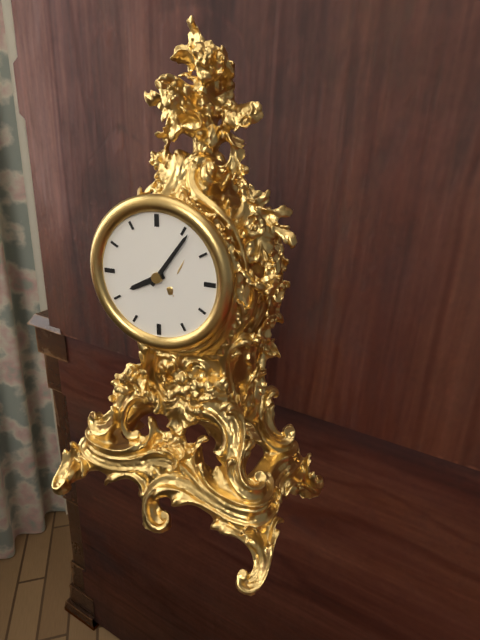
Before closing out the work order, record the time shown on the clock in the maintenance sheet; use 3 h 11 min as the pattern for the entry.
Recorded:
8 h 06 min
